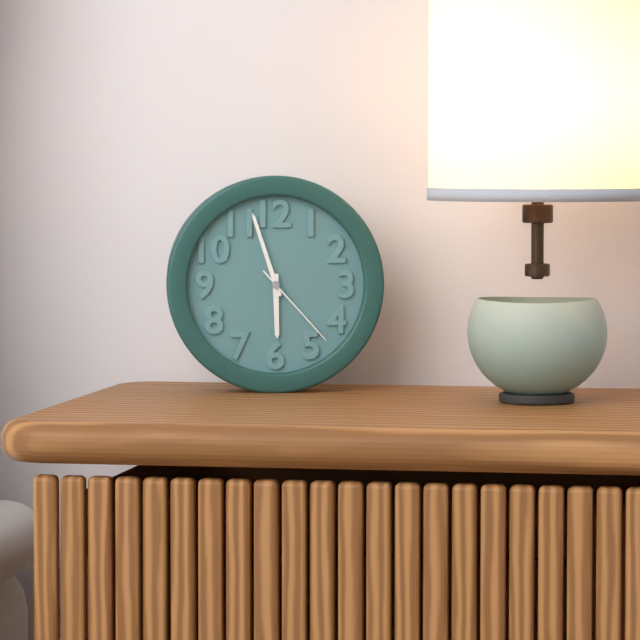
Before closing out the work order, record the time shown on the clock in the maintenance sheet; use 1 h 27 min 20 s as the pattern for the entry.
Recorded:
5 h 57 min 23 s
